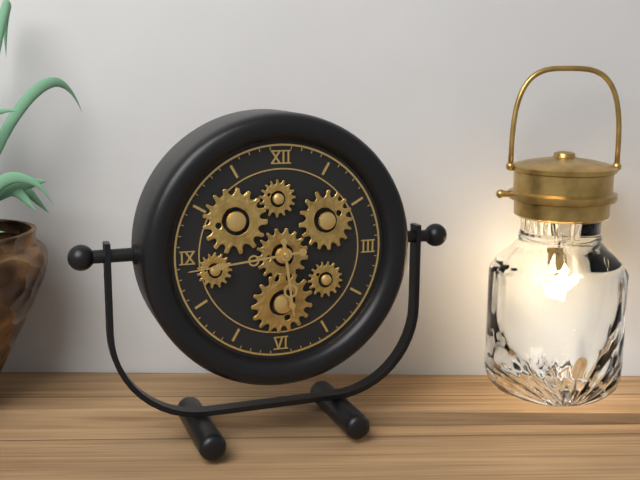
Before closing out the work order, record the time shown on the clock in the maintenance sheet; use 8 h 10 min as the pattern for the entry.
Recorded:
5 h 44 min
